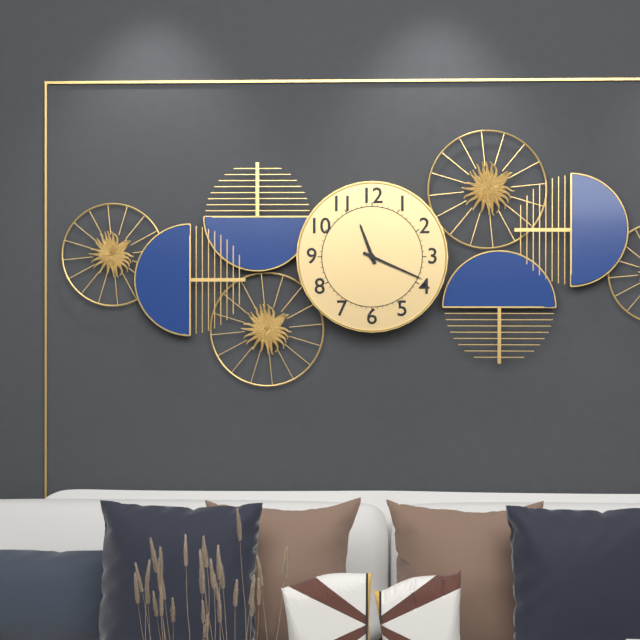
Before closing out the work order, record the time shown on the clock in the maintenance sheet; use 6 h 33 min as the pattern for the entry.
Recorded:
11 h 19 min
